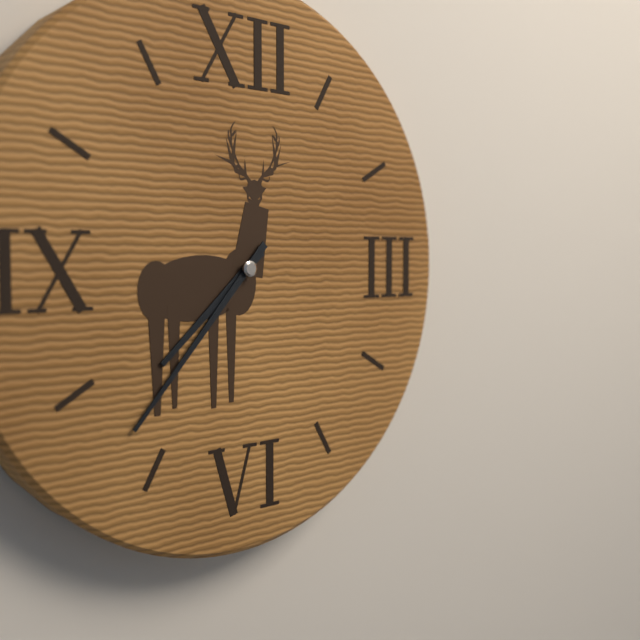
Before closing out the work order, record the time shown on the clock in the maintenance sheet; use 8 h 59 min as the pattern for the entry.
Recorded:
7 h 37 min
